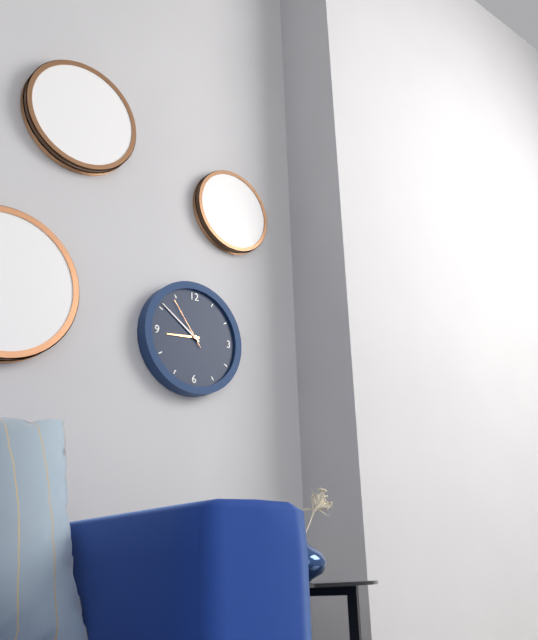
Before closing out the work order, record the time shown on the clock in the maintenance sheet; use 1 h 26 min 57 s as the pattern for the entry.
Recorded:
8 h 51 min 54 s
